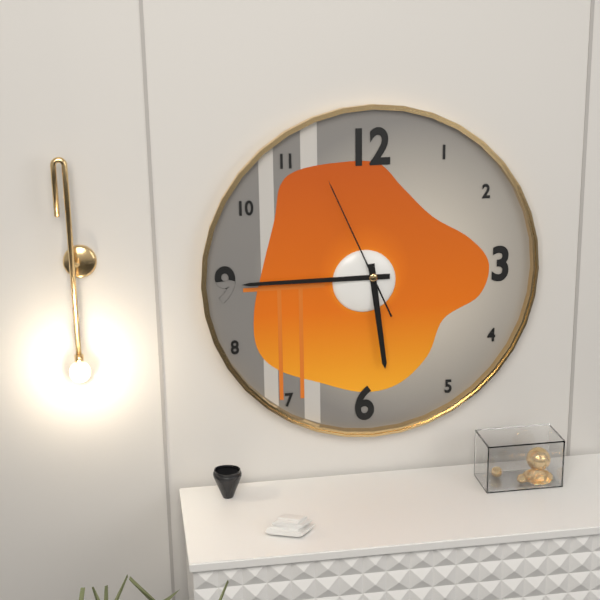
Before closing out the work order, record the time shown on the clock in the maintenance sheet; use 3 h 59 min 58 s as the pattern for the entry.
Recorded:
5 h 45 min 56 s
